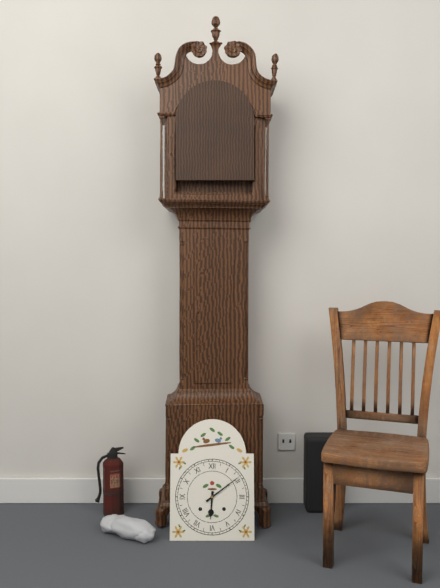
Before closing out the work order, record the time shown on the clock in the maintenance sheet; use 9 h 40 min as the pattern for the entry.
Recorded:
6 h 09 min
